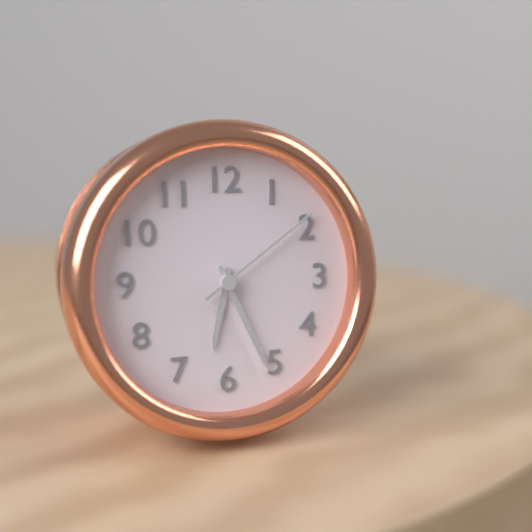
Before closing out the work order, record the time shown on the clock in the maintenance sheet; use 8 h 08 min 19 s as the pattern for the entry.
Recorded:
6 h 26 min 09 s
